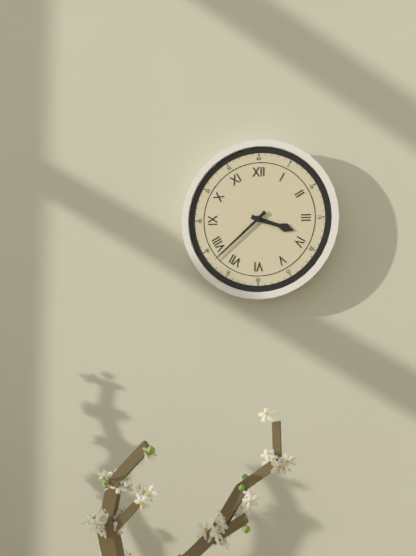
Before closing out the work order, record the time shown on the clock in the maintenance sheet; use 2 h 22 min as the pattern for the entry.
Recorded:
3 h 38 min
